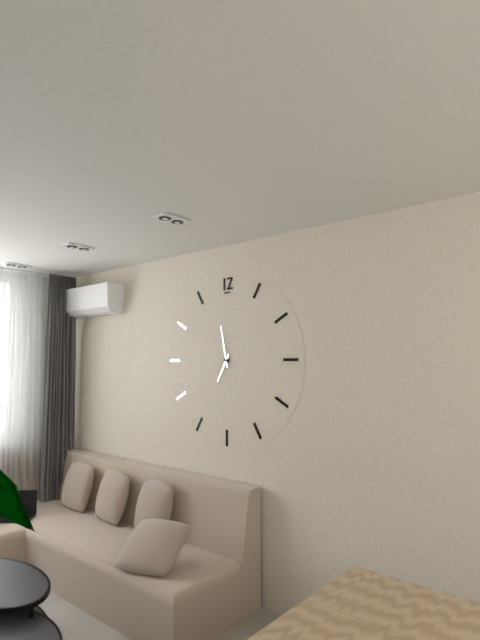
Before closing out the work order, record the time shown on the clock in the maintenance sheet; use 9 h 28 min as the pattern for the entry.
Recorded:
6 h 58 min
